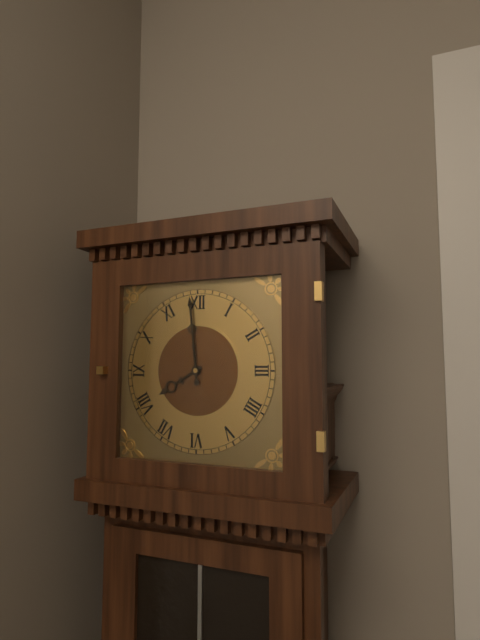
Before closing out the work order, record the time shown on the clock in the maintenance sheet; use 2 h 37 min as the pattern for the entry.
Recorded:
7 h 59 min
